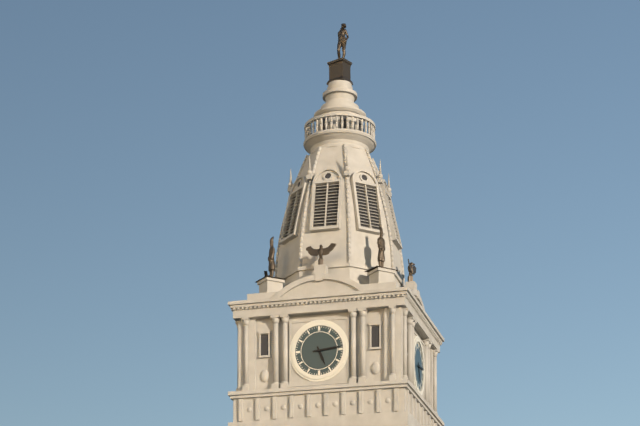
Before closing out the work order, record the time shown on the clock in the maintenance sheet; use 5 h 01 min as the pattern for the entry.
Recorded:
5 h 14 min
